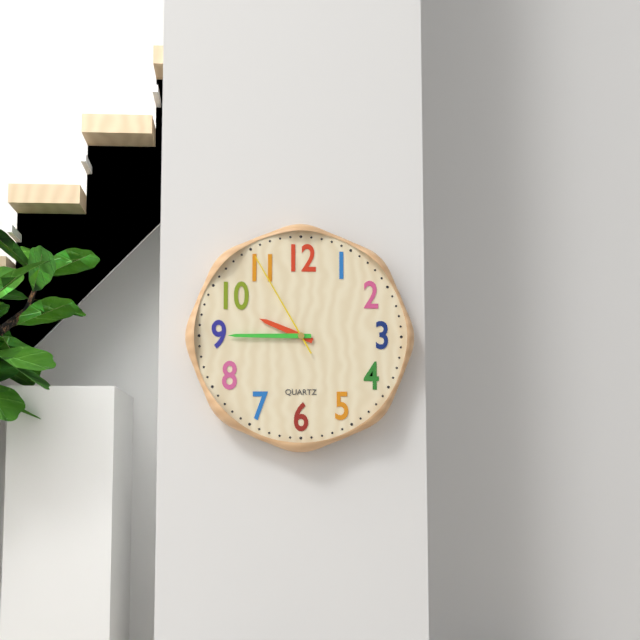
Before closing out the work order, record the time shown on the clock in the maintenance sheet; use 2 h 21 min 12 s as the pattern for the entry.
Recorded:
9 h 45 min 55 s
